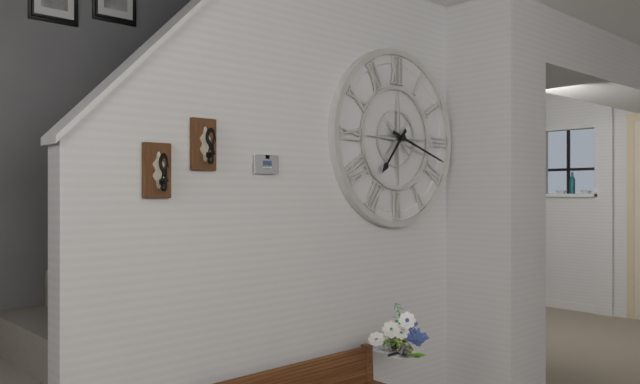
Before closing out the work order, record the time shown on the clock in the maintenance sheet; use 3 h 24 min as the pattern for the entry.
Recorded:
7 h 18 min
